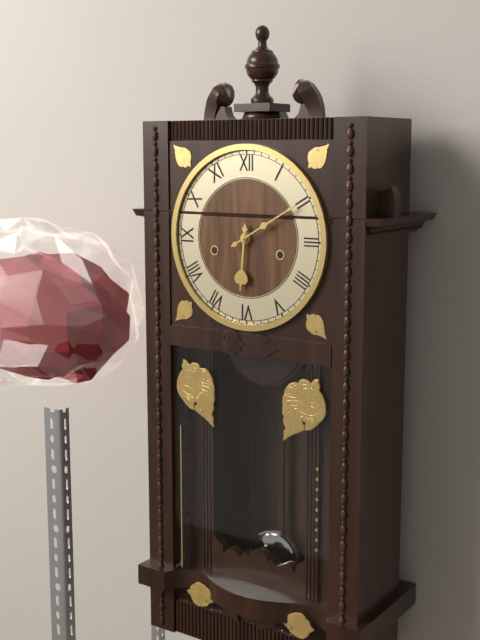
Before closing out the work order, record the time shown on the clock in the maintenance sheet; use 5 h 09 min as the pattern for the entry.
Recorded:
6 h 10 min
